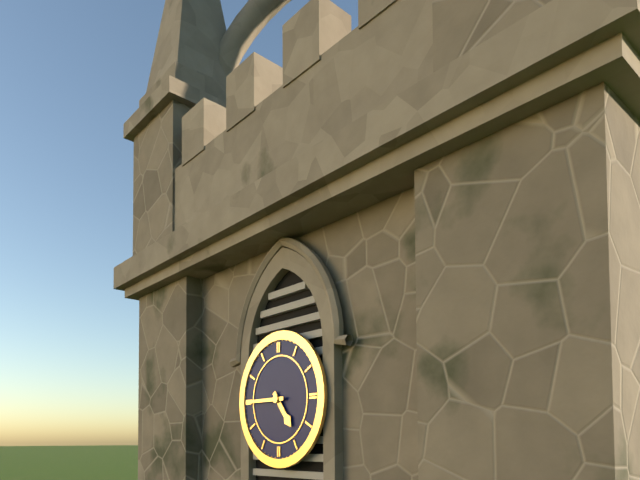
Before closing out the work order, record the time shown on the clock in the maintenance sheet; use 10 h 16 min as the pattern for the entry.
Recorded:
4 h 45 min
